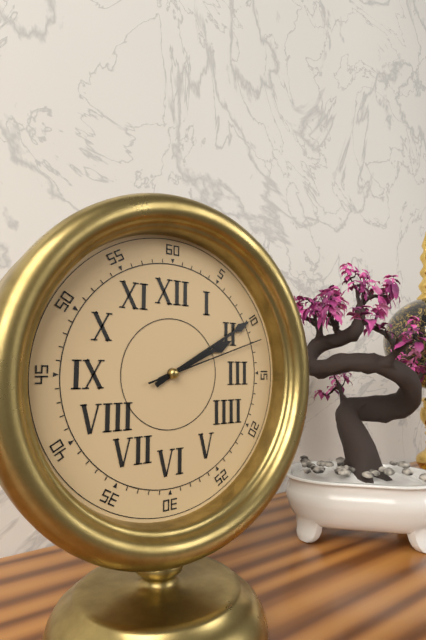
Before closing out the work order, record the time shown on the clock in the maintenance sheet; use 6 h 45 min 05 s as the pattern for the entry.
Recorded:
2 h 10 min 12 s
